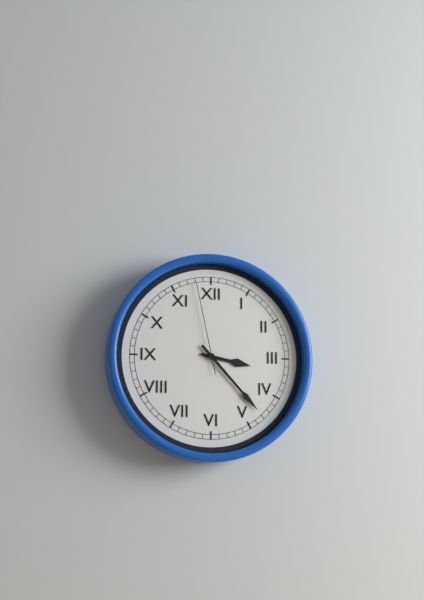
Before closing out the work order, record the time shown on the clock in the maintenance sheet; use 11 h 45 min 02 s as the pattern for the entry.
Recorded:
3 h 23 min 58 s
